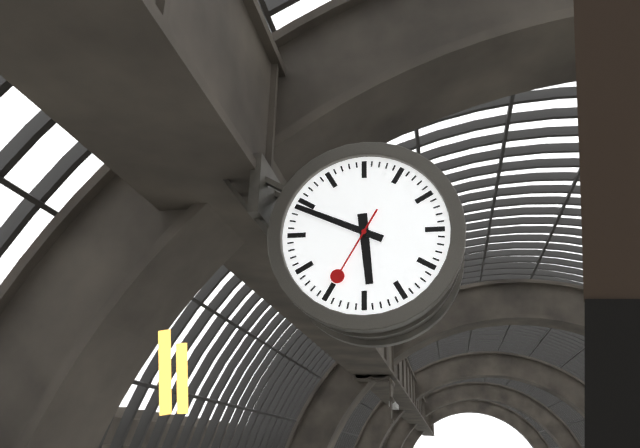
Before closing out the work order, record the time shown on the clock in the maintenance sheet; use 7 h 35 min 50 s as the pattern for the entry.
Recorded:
5 h 49 min 35 s
